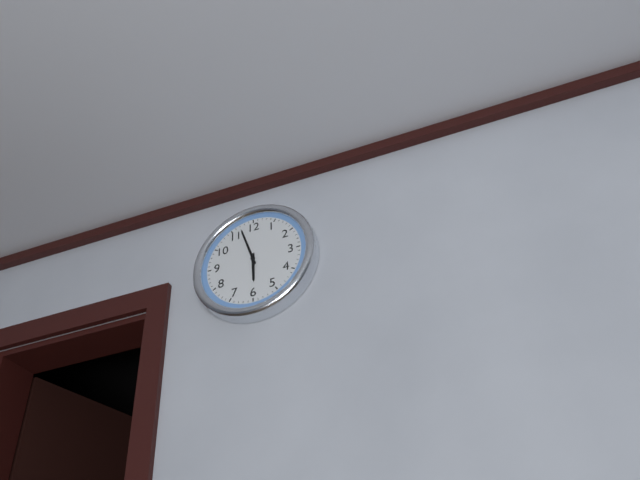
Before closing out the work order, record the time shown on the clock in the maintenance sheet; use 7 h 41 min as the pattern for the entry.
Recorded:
5 h 57 min
